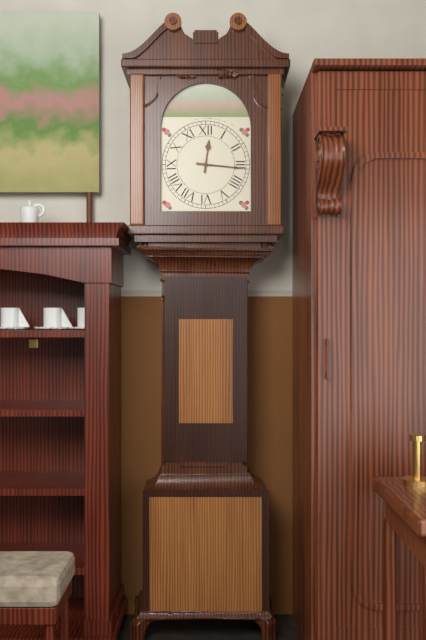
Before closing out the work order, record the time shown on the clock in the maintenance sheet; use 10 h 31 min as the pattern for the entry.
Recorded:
12 h 16 min
